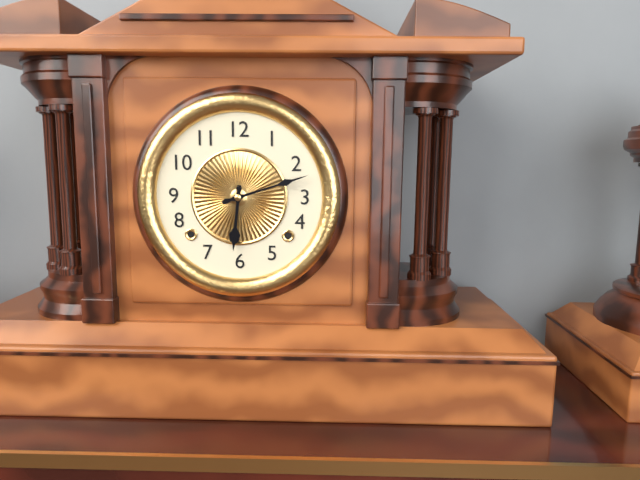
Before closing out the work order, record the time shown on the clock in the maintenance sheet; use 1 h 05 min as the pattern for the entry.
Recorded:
6 h 12 min
